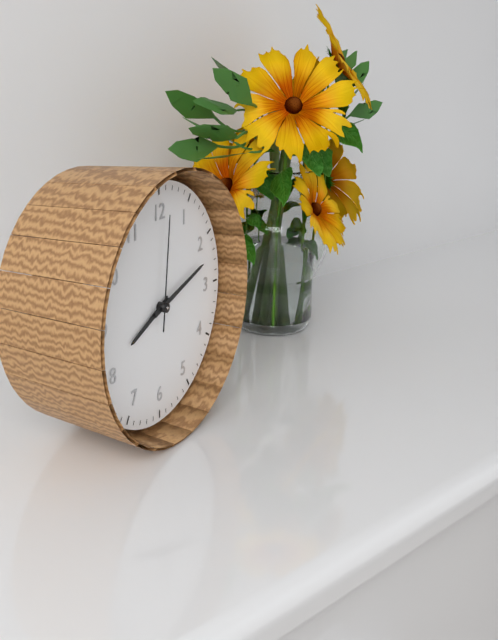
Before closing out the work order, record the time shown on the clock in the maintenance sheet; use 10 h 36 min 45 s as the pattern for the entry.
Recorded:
8 h 12 min 01 s
